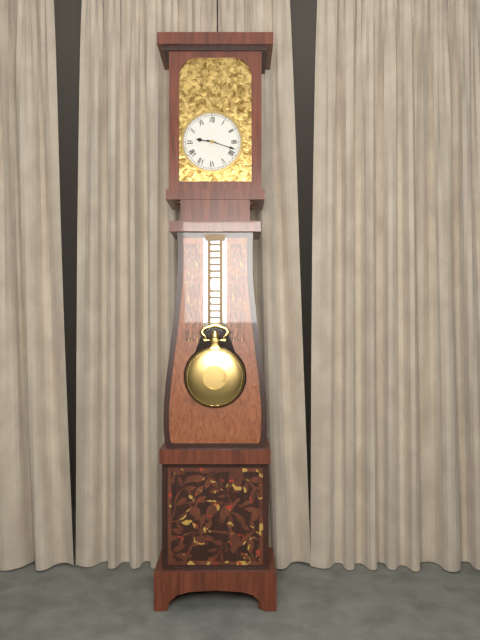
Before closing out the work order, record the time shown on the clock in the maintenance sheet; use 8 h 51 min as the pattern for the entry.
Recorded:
9 h 18 min
